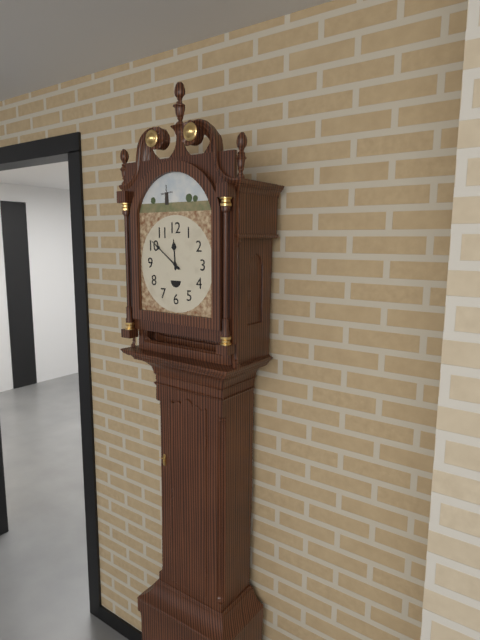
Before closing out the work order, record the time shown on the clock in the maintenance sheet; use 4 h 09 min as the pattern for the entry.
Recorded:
11 h 51 min
